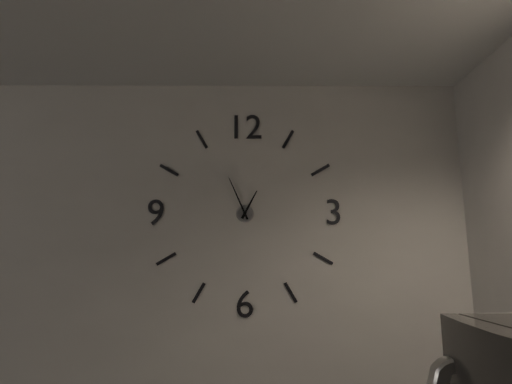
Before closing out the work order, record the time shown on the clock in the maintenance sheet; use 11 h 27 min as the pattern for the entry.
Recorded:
12 h 56 min
